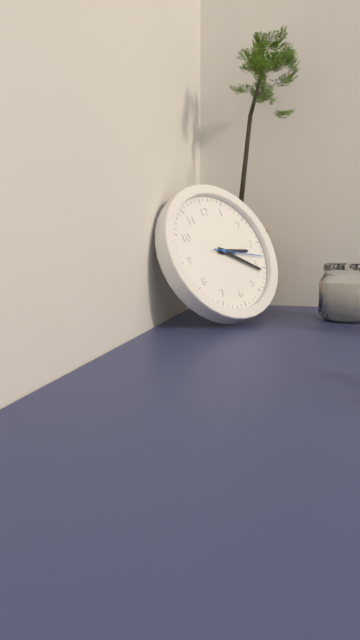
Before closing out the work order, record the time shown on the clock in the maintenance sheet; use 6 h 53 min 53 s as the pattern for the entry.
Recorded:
3 h 21 min 18 s
